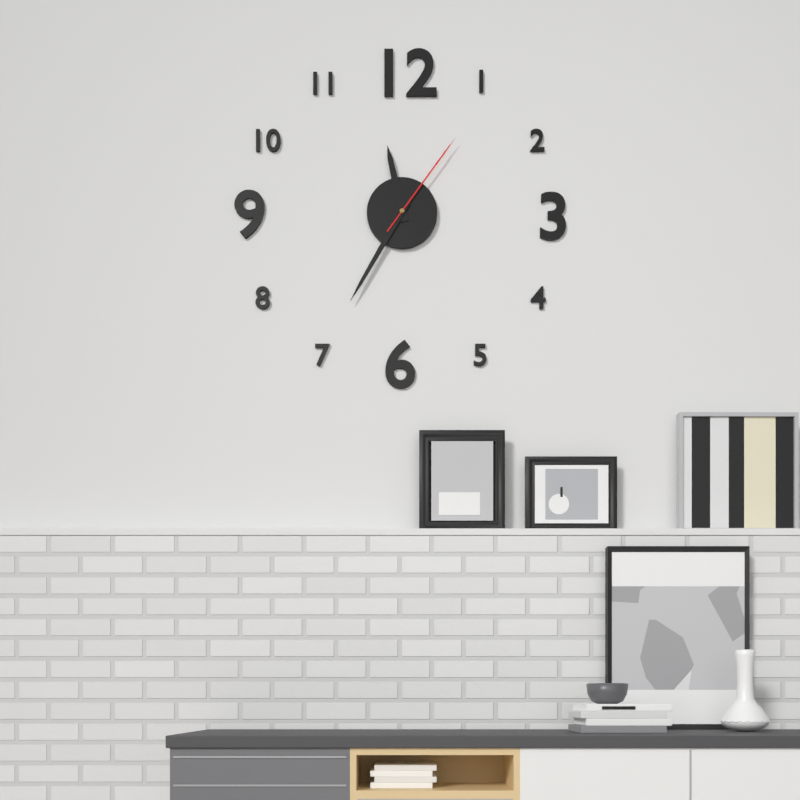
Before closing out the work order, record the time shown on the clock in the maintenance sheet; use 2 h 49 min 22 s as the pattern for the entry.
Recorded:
11 h 35 min 06 s
